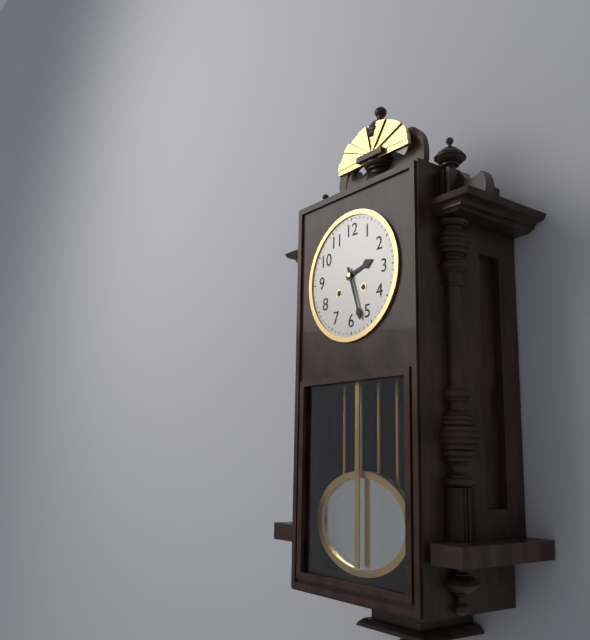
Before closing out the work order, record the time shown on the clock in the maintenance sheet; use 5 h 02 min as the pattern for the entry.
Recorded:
2 h 27 min
